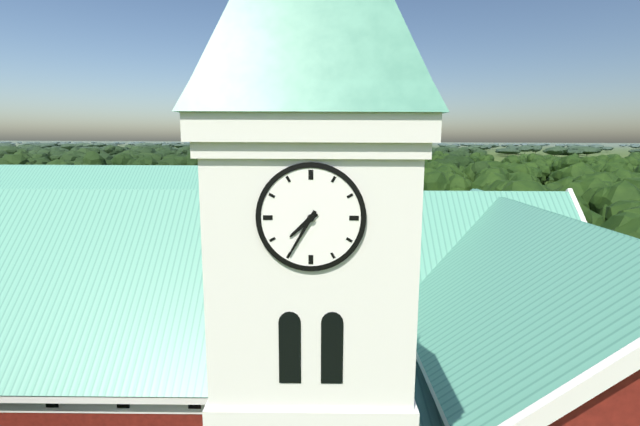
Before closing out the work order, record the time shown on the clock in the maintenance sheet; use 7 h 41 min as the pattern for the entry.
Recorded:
7 h 35 min
